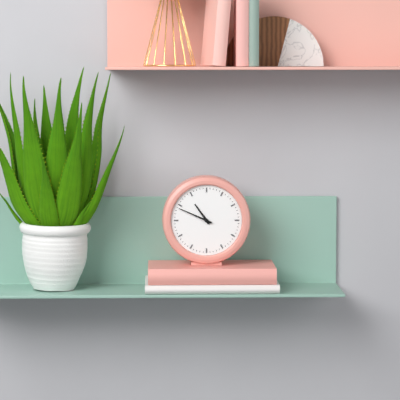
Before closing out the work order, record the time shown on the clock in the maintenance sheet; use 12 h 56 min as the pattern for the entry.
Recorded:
10 h 49 min
